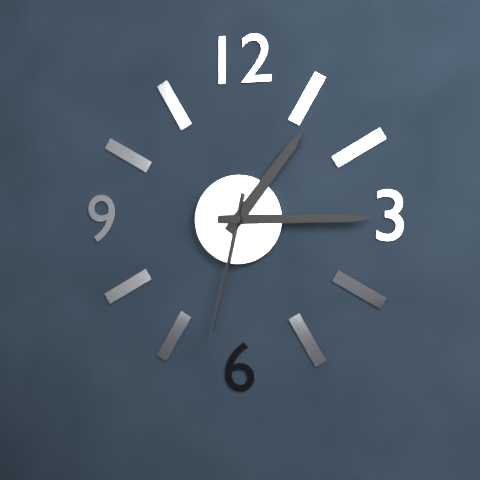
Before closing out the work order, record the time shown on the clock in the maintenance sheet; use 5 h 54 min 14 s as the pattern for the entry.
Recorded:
1 h 15 min 32 s
